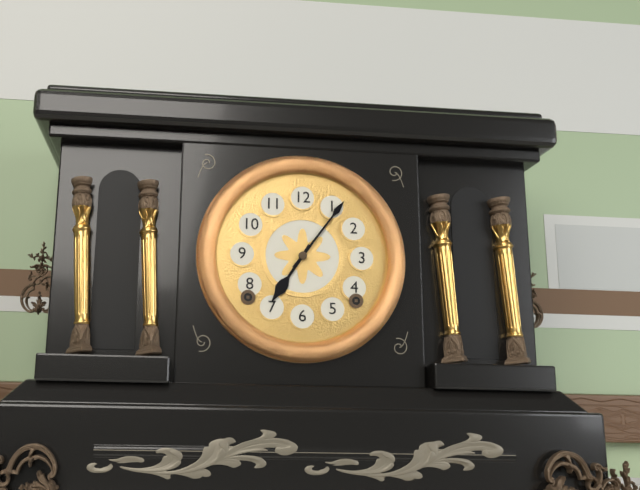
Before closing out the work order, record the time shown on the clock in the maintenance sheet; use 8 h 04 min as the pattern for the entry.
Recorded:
7 h 06 min
